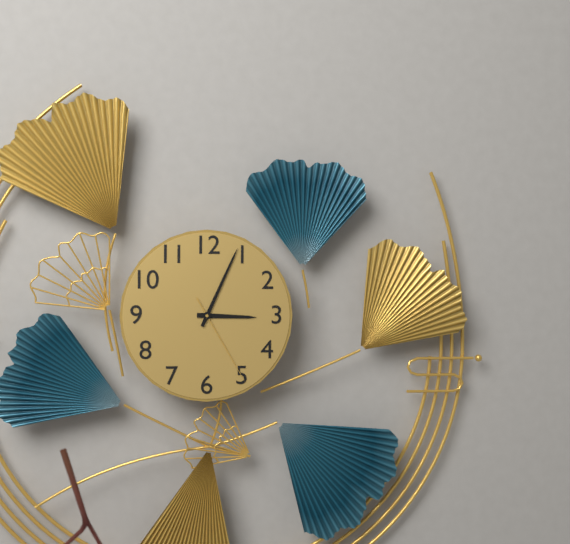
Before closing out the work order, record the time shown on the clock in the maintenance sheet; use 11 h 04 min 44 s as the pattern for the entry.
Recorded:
3 h 04 min 25 s
